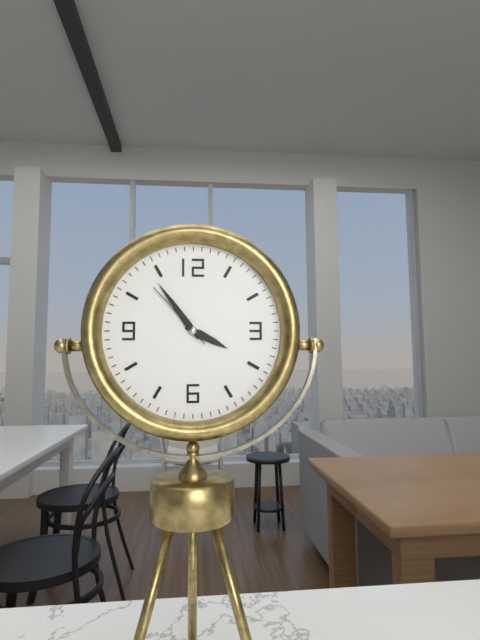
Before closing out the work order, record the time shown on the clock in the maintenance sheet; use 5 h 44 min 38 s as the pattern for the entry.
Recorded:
3 h 54 min 53 s
